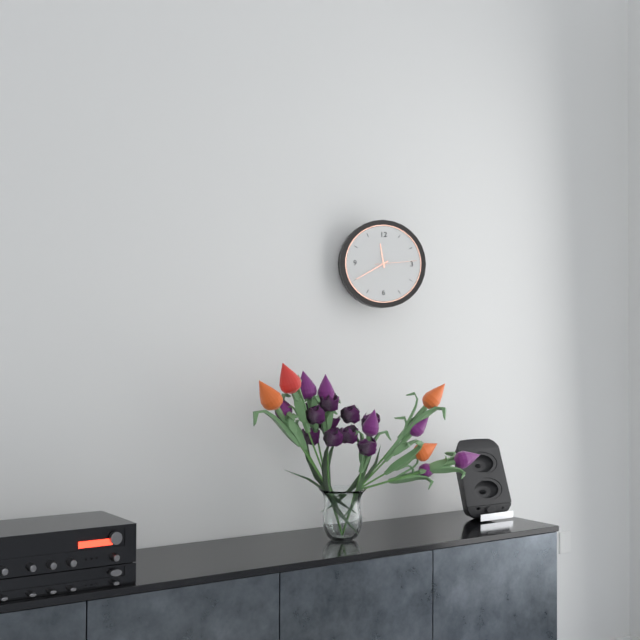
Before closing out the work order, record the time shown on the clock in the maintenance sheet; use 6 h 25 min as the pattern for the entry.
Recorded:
11 h 40 min
